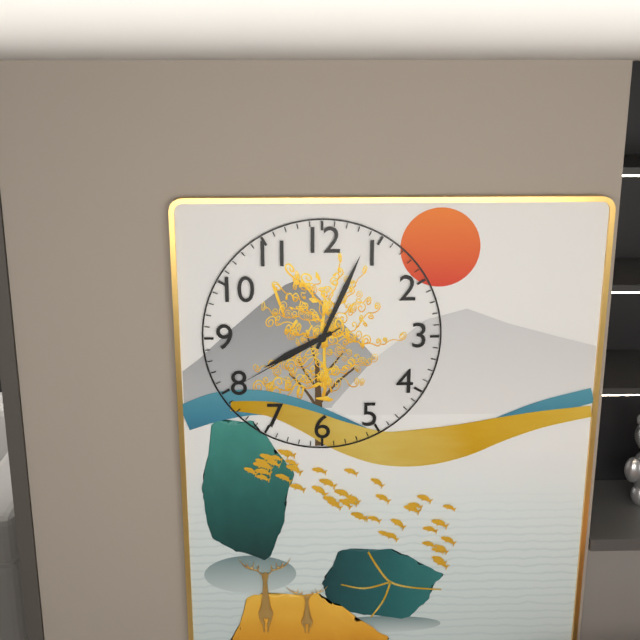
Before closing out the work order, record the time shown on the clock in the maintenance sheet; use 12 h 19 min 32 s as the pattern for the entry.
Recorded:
8 h 04 min 40 s
